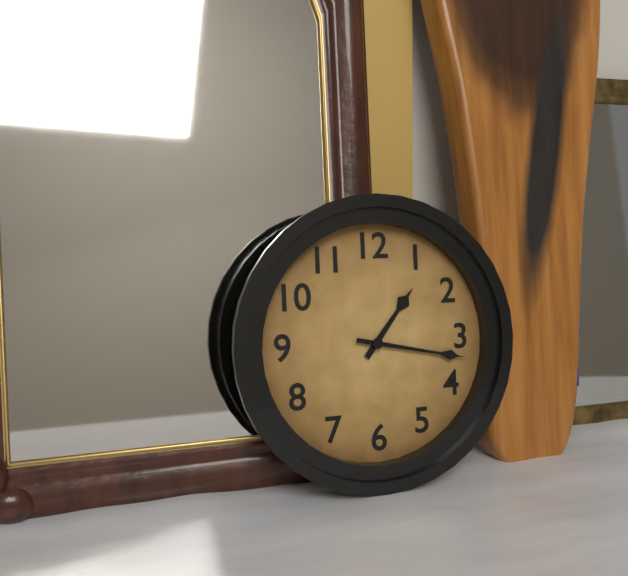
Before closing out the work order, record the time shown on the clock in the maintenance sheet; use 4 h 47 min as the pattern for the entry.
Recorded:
1 h 17 min
